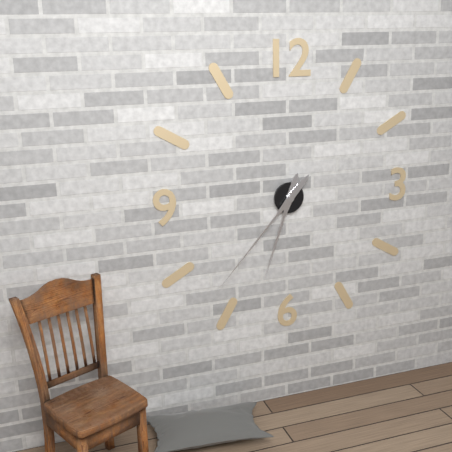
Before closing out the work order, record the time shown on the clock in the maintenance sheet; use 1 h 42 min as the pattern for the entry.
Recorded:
6 h 37 min
